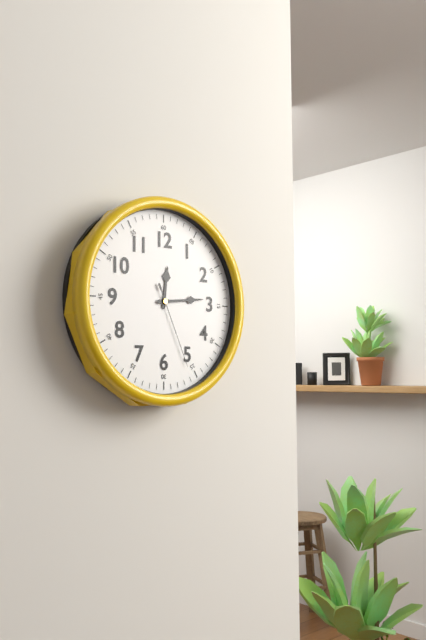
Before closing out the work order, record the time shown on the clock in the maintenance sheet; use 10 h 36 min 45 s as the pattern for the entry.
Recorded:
12 h 14 min 26 s
